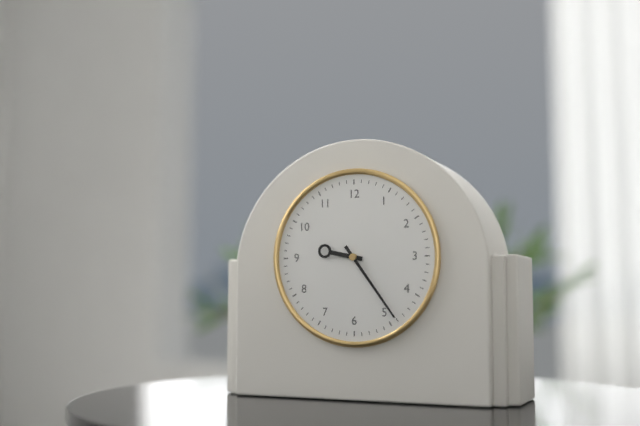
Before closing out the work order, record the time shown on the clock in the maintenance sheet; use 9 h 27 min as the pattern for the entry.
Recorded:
9 h 24 min
